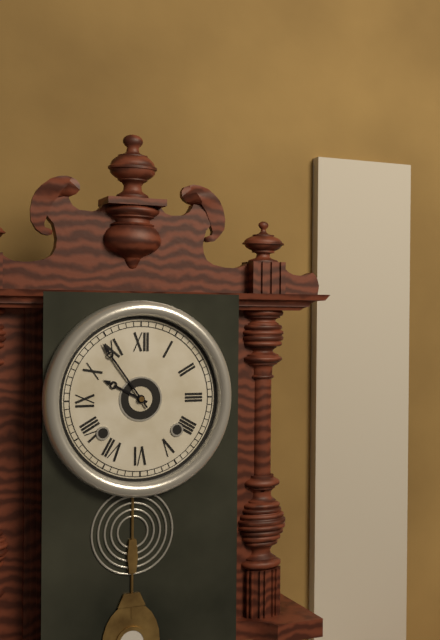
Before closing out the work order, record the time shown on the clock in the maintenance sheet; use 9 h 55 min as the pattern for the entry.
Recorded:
9 h 54 min
